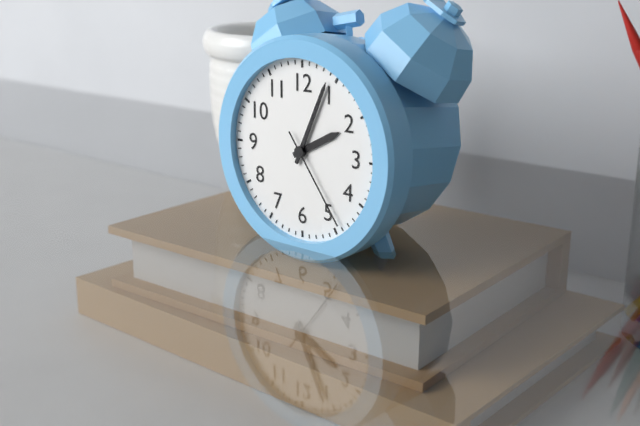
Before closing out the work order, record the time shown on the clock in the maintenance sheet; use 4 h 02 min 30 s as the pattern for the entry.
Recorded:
2 h 04 min 24 s
